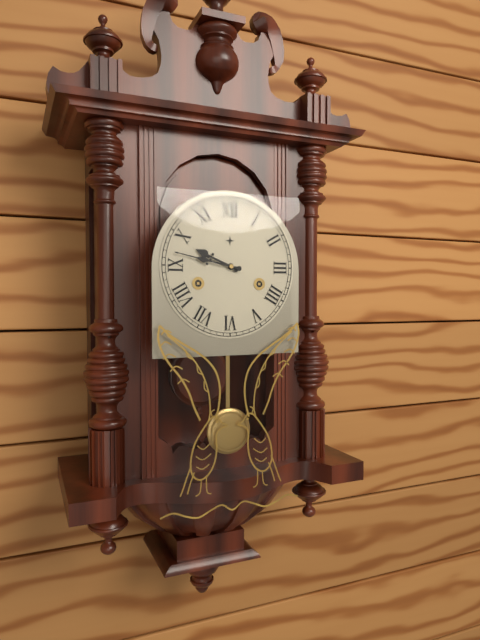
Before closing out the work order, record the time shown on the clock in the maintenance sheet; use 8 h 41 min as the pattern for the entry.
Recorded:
9 h 47 min
